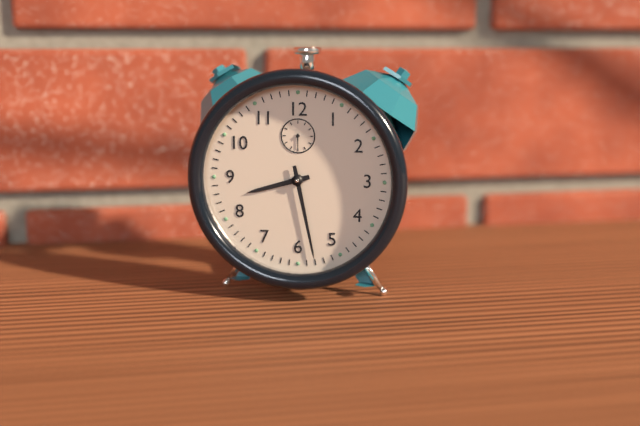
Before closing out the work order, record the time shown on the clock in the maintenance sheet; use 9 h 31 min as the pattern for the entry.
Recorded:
8 h 28 min
